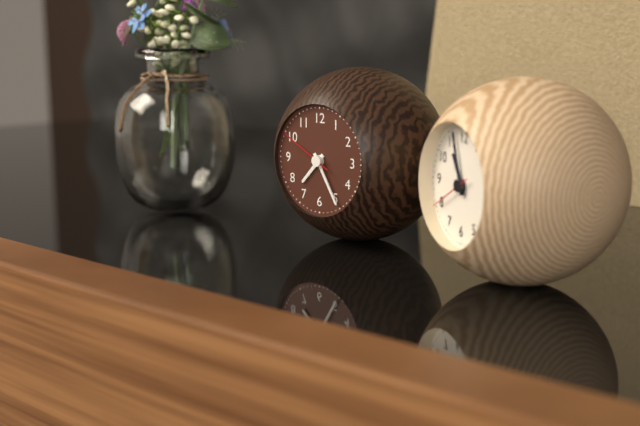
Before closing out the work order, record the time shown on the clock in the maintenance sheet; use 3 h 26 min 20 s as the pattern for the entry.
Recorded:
7 h 25 min 50 s
